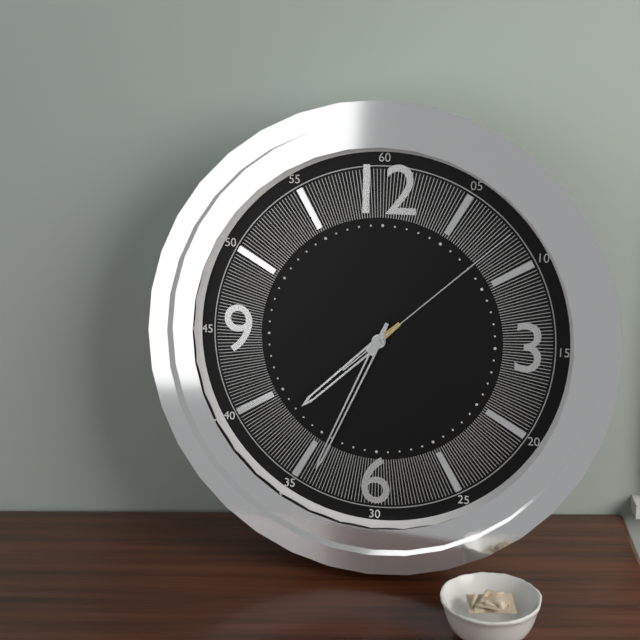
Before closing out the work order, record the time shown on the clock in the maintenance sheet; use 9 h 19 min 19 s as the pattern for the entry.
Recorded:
7 h 34 min 08 s
